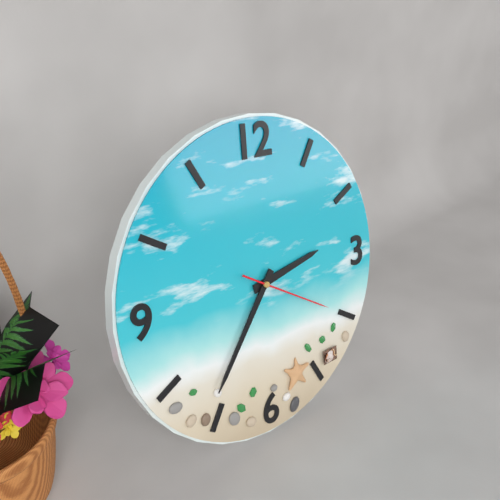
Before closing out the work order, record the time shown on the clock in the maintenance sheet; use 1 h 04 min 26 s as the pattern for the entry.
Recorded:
2 h 36 min 20 s
